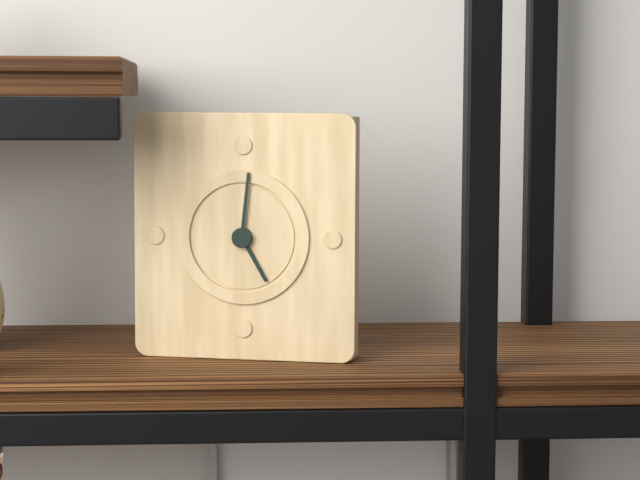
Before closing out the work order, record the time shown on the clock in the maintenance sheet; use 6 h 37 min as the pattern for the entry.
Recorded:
5 h 01 min
